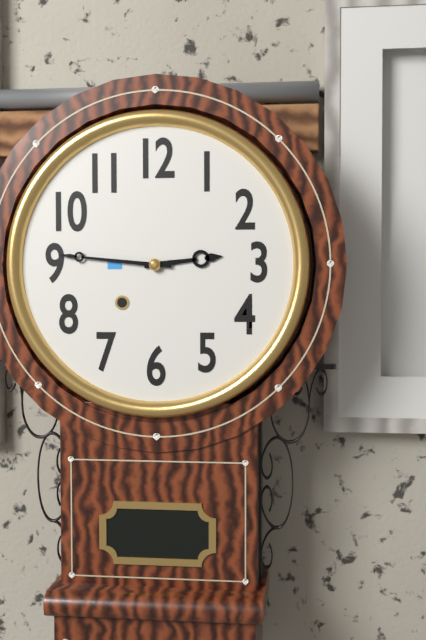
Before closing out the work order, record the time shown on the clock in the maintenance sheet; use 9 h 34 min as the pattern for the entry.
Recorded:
2 h 46 min
